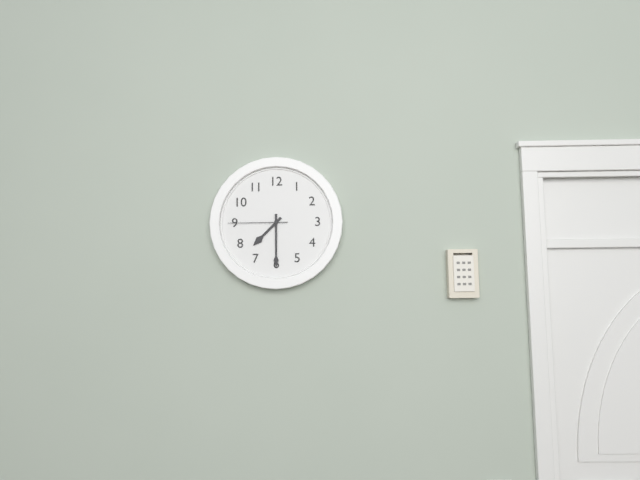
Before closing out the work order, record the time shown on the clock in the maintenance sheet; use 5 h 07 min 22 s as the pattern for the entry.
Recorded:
7 h 30 min 45 s
